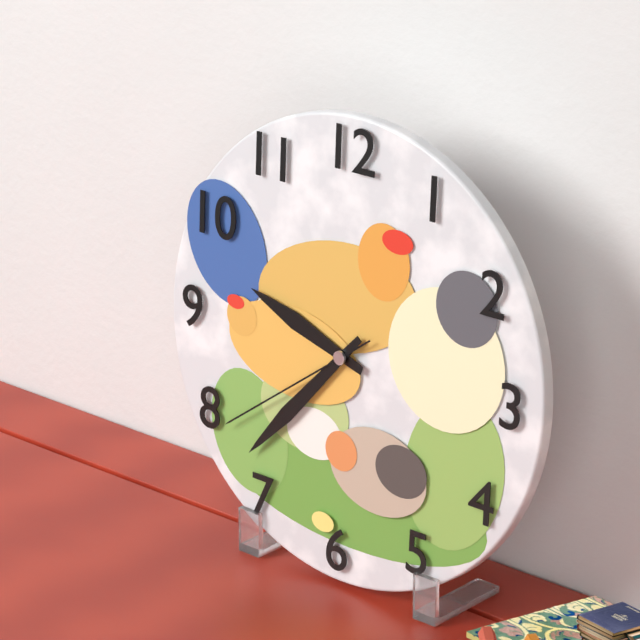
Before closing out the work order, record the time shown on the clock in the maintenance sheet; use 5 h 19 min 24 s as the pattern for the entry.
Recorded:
9 h 37 min 39 s
